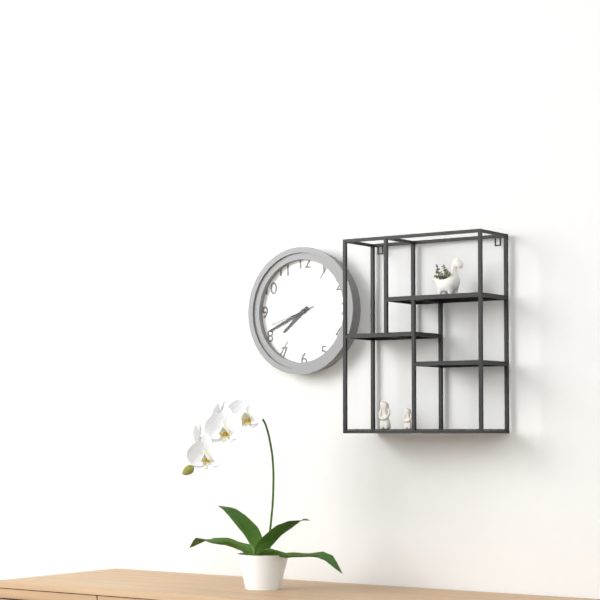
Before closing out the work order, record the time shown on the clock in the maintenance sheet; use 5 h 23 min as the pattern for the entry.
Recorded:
7 h 41 min
